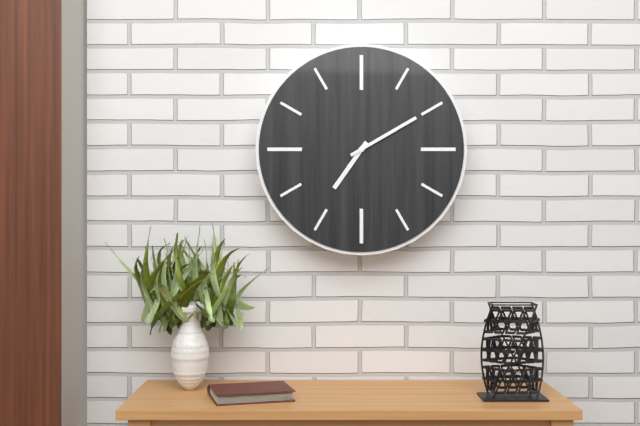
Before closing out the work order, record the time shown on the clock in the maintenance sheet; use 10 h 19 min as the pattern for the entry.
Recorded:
7 h 10 min
